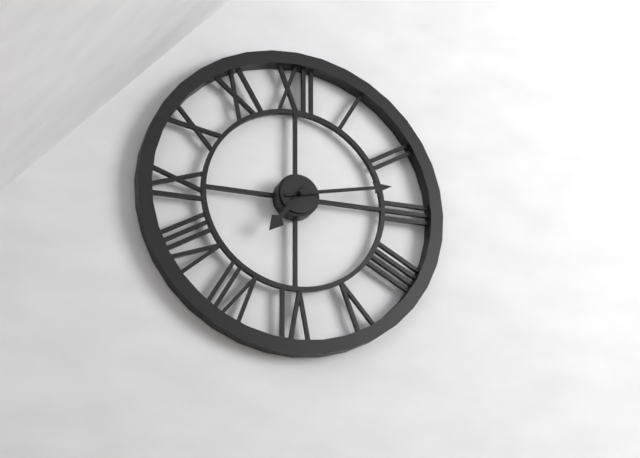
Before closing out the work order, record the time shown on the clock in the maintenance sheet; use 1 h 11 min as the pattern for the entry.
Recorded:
7 h 13 min
